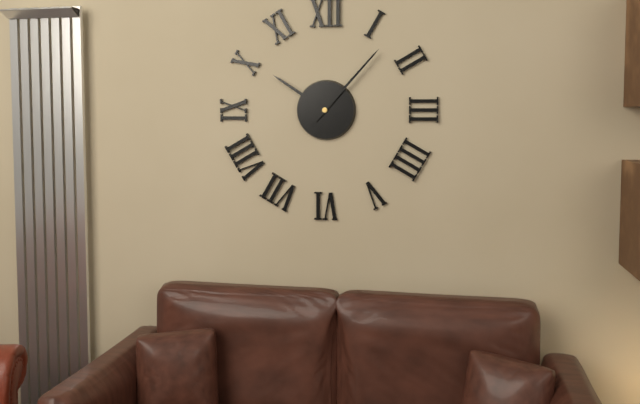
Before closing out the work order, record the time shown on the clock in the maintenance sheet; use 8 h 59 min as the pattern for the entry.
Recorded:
10 h 07 min
